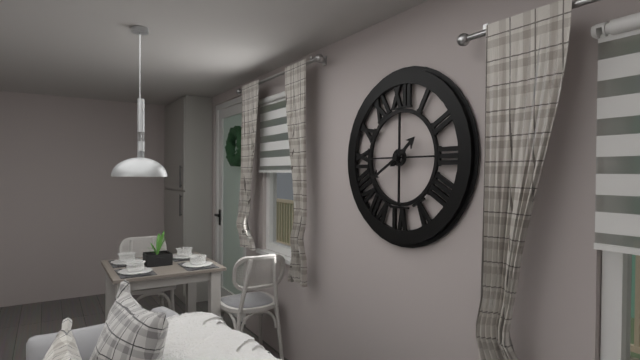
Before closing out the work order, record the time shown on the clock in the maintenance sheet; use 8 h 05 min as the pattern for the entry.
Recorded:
1 h 40 min
